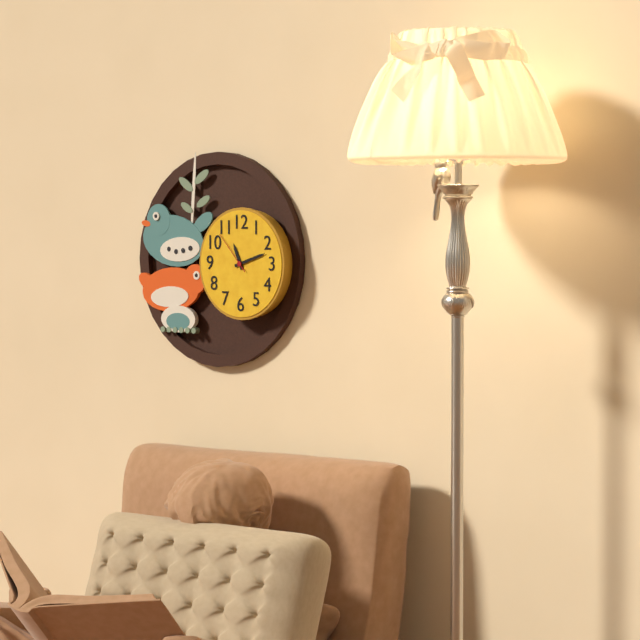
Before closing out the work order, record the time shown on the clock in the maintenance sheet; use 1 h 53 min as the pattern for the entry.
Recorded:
11 h 12 min
